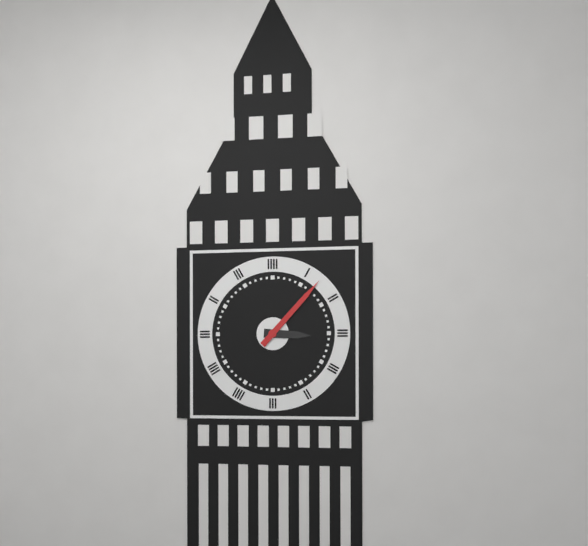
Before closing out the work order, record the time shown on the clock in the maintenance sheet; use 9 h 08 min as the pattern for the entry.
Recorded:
3 h 07 min
